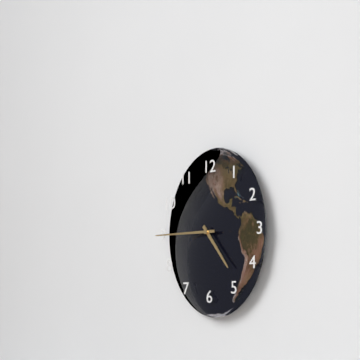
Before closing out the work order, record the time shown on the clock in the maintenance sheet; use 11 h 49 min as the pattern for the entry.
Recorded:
4 h 45 min
